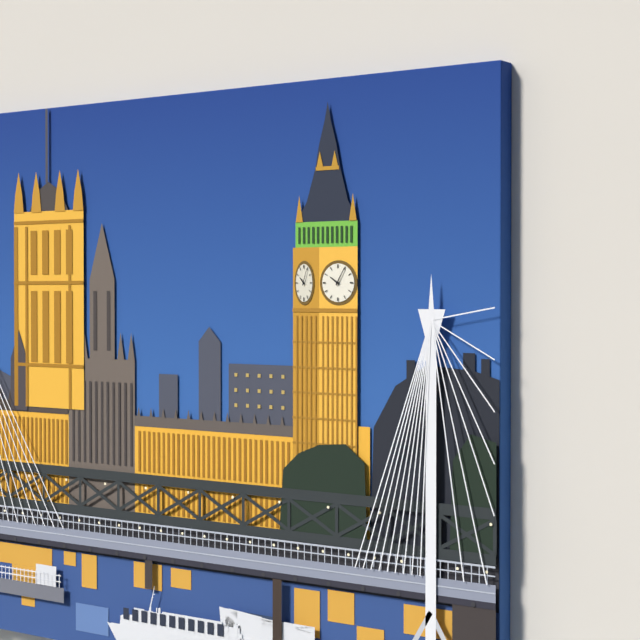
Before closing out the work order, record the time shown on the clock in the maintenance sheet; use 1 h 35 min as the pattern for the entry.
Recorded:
10 h 05 min
